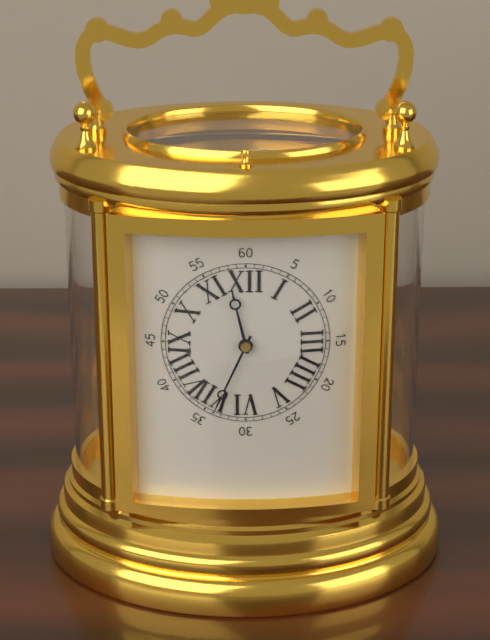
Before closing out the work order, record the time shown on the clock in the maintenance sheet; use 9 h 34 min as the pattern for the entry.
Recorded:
11 h 34 min
